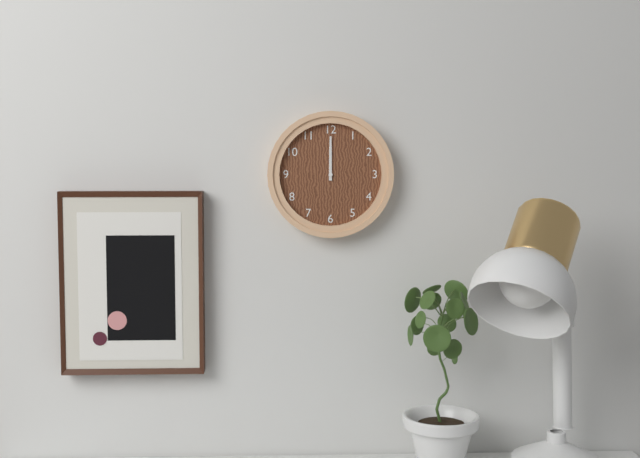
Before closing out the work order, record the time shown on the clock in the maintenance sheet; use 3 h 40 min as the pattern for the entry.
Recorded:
12 h 00 min
